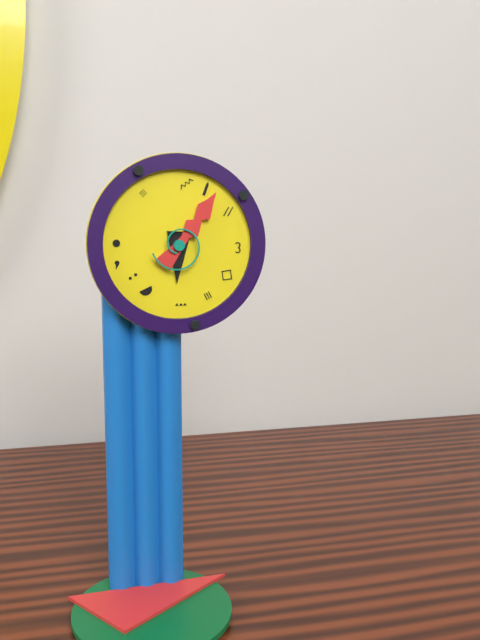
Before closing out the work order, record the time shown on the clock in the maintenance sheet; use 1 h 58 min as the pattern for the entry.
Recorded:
6 h 06 min
